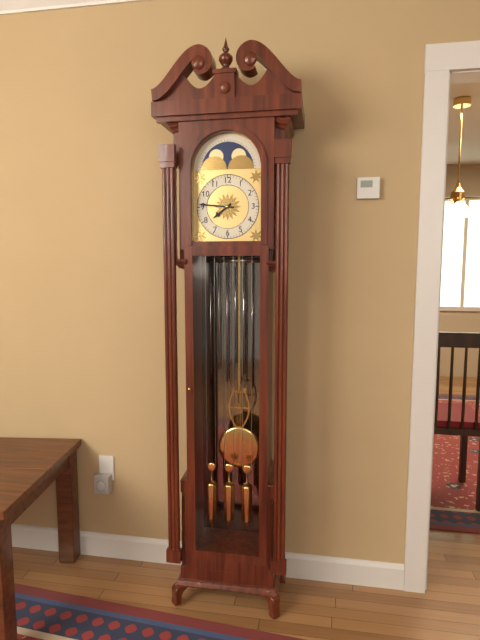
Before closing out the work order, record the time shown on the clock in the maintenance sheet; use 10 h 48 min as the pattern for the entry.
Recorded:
7 h 46 min
